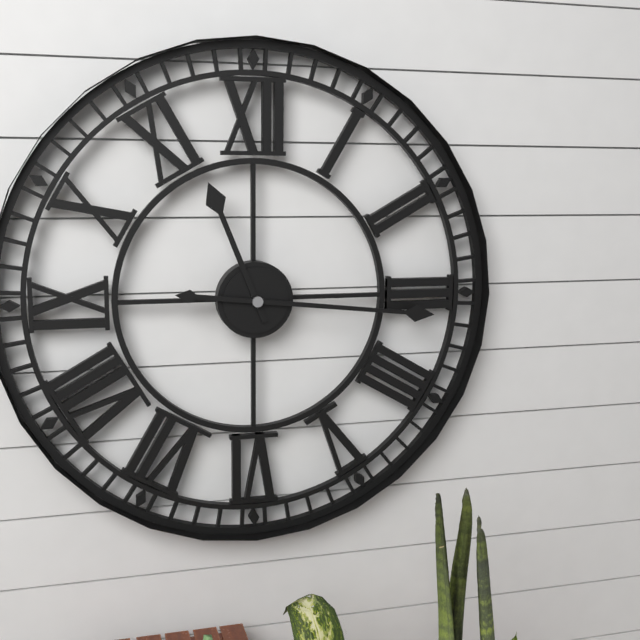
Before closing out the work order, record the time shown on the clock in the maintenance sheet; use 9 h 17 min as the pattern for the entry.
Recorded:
11 h 16 min
